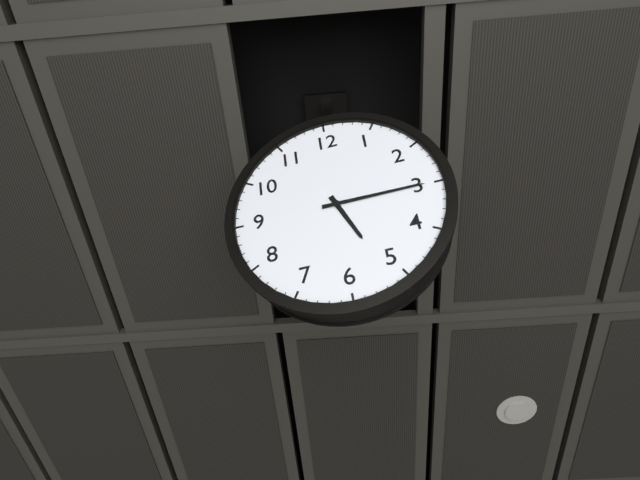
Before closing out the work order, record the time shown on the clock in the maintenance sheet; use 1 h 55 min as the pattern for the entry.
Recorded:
5 h 15 min
